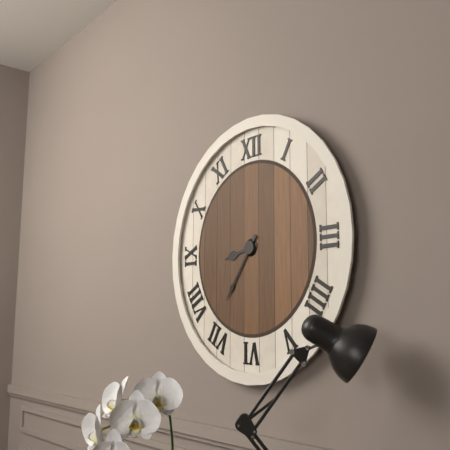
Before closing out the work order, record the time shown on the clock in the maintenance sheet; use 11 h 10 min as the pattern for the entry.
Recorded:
8 h 36 min
